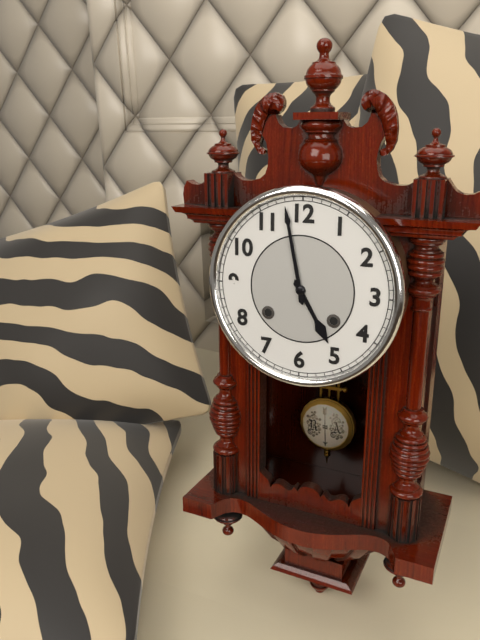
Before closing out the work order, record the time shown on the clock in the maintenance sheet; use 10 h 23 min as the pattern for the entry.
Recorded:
4 h 58 min
